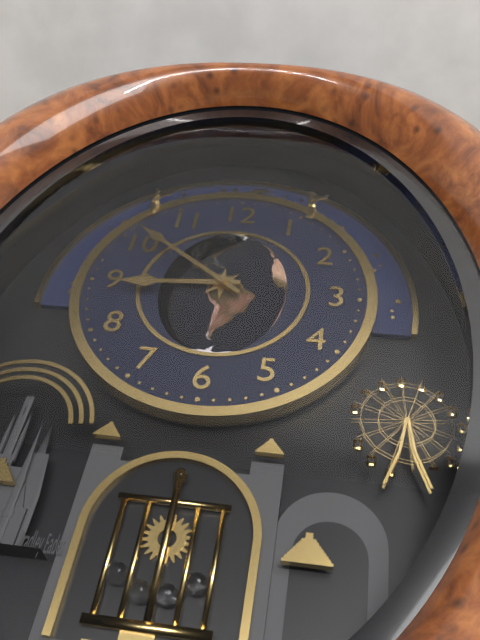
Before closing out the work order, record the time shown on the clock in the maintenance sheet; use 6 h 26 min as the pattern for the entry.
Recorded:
8 h 51 min
